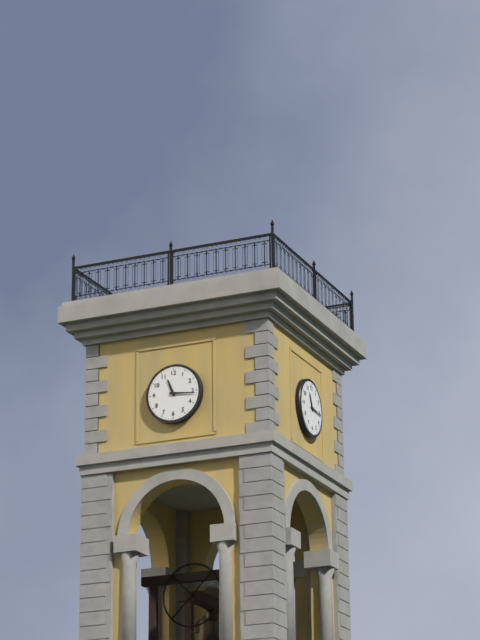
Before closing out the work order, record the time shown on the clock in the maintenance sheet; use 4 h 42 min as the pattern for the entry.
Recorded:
11 h 16 min
